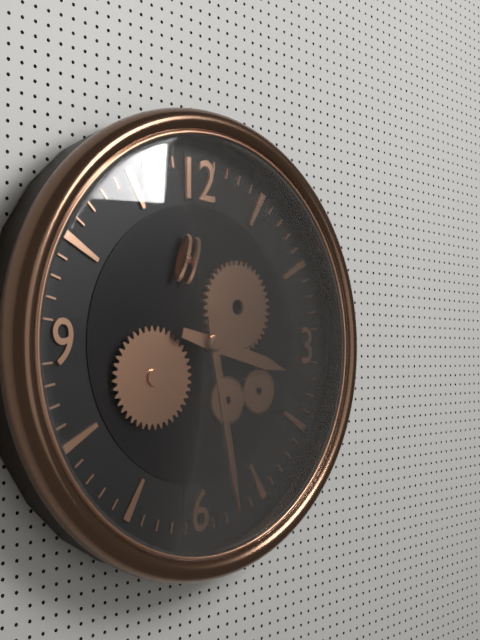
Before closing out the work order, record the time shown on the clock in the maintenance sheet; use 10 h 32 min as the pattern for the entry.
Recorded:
3 h 28 min
